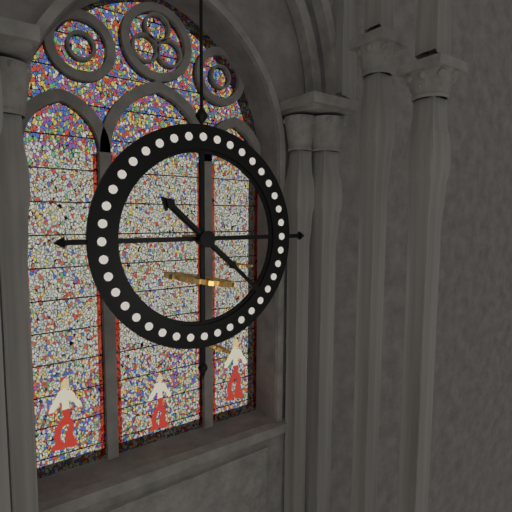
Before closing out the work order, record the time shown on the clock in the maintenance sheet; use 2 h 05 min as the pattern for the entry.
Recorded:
10 h 22 min
